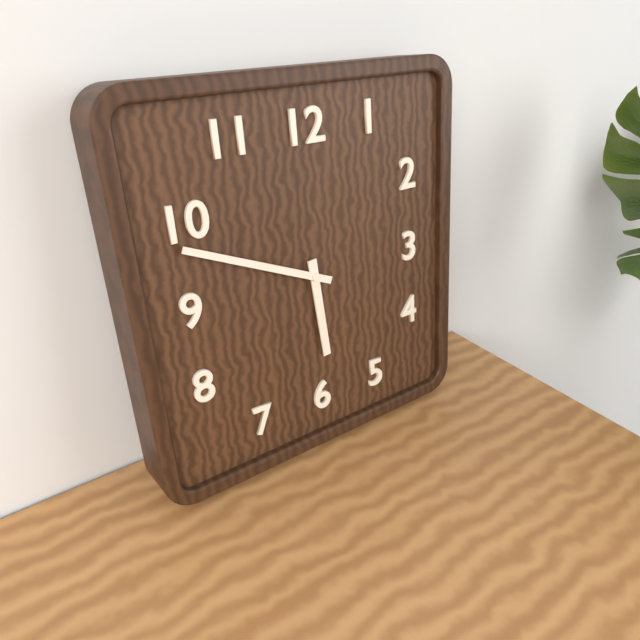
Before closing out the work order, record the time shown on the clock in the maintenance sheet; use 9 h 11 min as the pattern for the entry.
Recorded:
5 h 49 min
